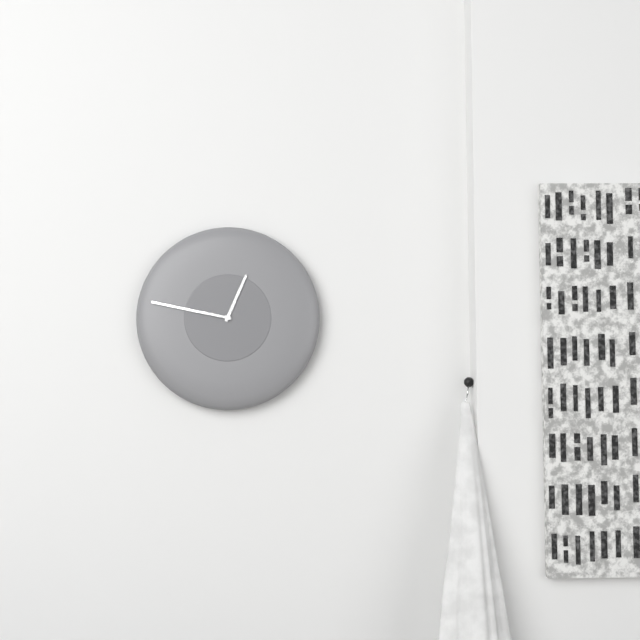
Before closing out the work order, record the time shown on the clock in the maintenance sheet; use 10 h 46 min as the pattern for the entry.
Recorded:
12 h 47 min
